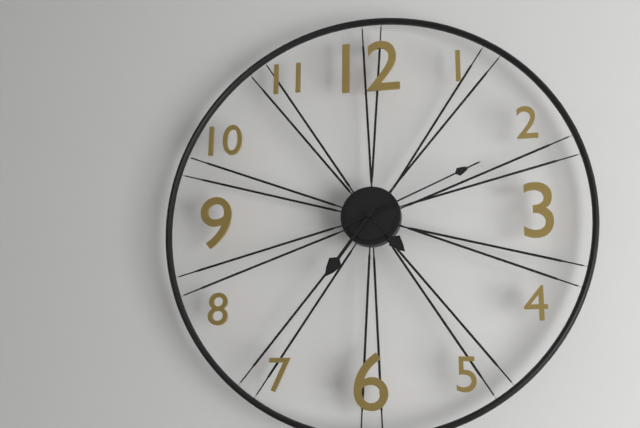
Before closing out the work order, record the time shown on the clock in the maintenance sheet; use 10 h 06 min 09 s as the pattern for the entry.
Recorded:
4 h 36 min 11 s
